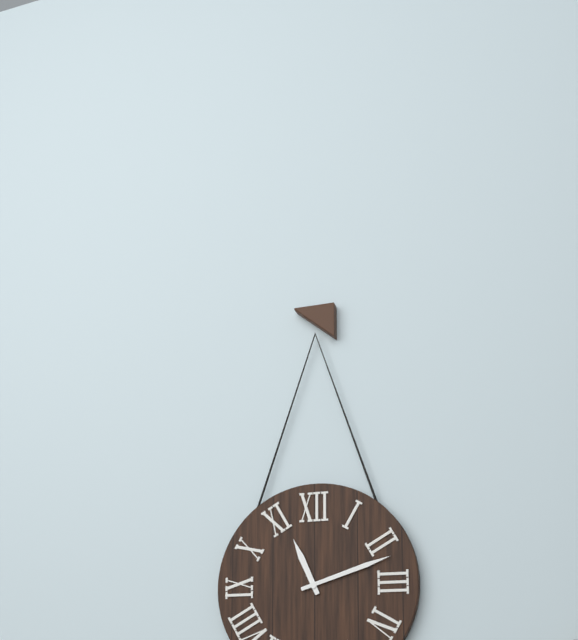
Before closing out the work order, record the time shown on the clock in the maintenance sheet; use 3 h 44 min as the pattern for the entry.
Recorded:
11 h 12 min
